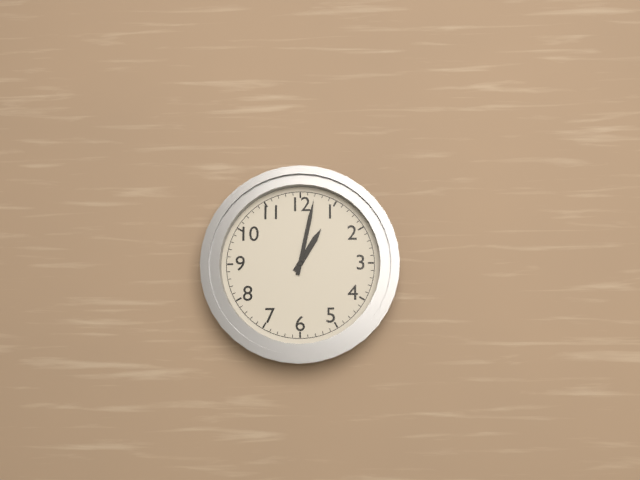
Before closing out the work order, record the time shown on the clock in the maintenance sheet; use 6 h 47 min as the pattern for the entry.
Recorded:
1 h 02 min
